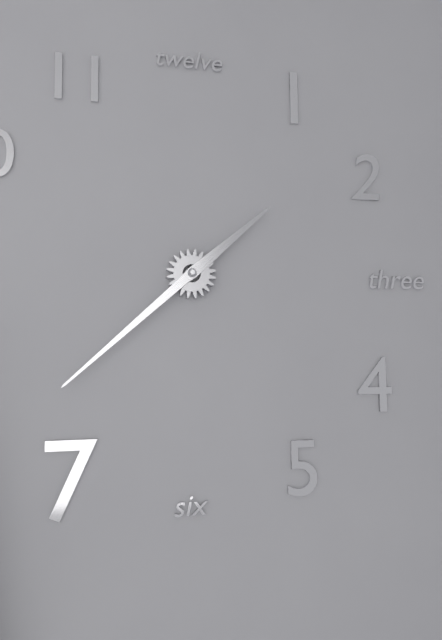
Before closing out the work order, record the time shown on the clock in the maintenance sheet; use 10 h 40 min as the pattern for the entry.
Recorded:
1 h 38 min
